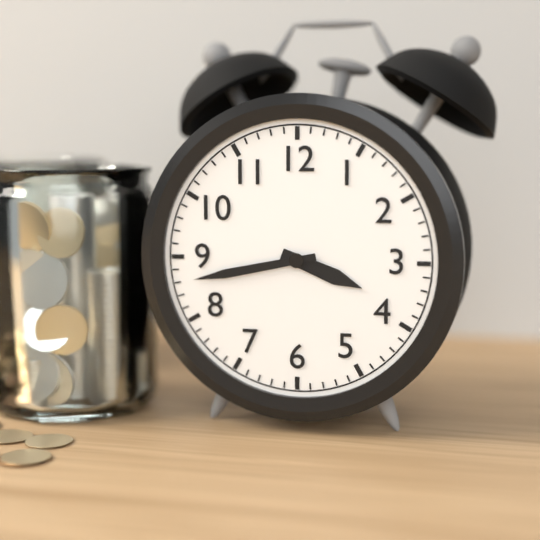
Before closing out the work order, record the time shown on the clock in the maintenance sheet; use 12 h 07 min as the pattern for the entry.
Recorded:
3 h 43 min
